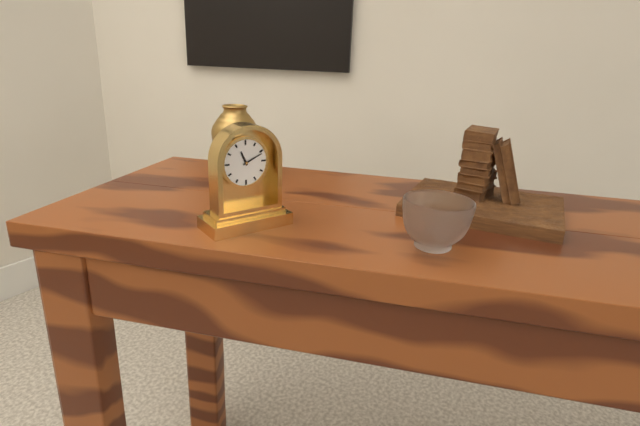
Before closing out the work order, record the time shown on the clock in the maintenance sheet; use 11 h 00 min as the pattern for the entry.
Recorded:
11 h 11 min
